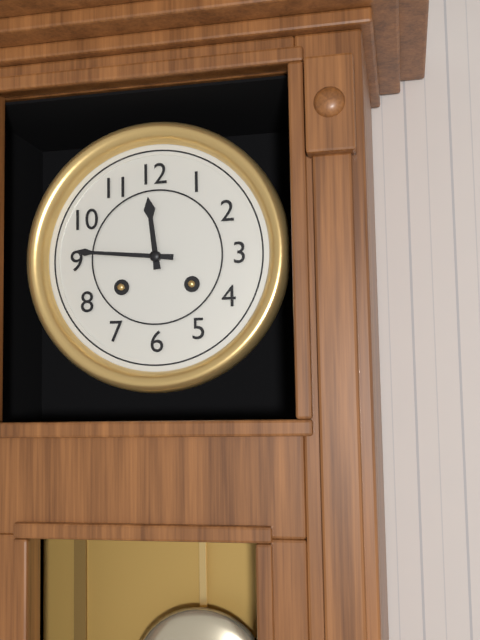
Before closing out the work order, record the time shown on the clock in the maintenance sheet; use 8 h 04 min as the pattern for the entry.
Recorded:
11 h 46 min
